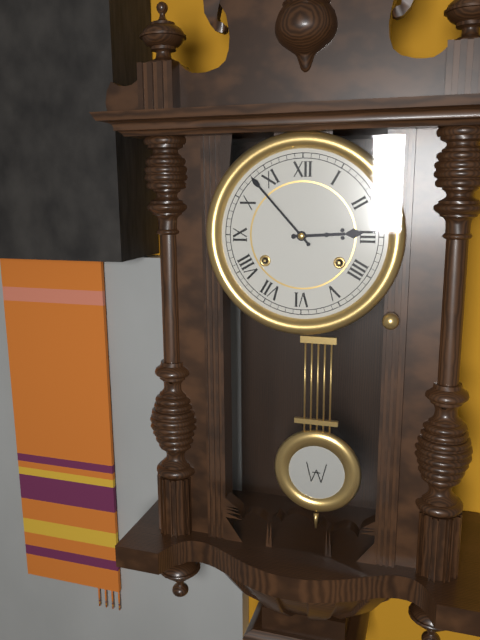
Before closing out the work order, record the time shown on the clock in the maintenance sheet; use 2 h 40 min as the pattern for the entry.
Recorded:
2 h 53 min
